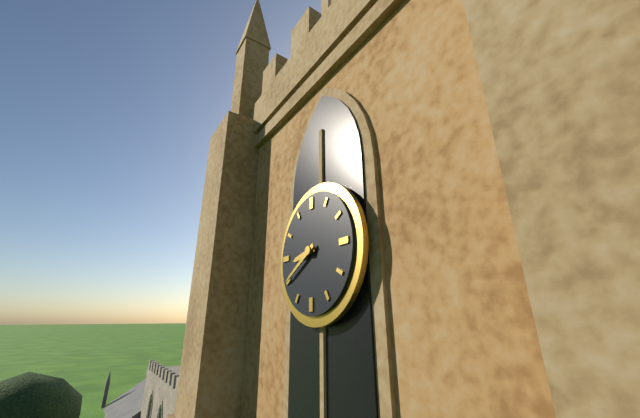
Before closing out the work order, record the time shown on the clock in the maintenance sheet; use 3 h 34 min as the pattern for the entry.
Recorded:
8 h 40 min
